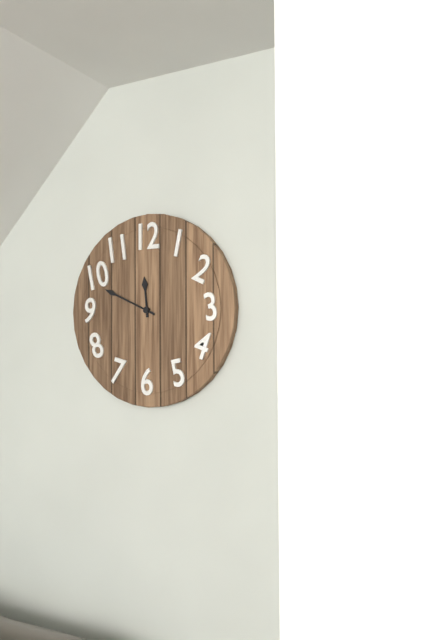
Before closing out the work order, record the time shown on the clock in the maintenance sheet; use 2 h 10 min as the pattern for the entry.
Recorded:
11 h 49 min
